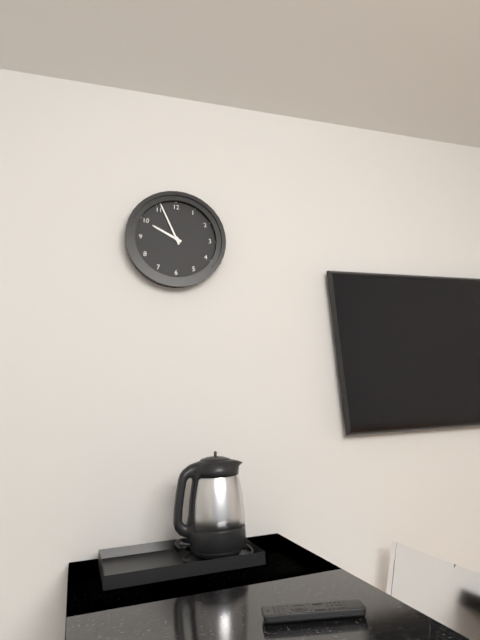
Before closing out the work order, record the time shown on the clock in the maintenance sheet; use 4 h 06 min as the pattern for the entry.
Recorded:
9 h 56 min
